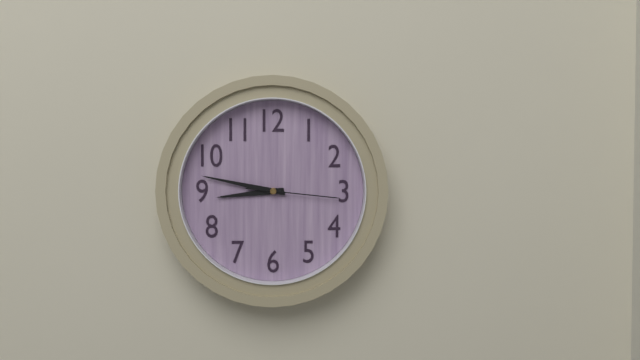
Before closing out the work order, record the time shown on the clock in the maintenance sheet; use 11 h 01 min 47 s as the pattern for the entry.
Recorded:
8 h 47 min 16 s
